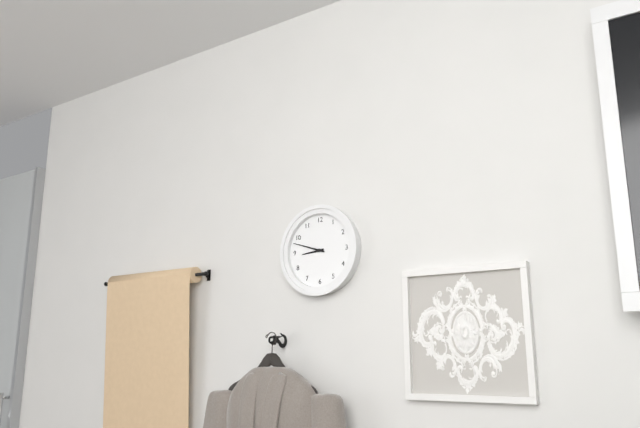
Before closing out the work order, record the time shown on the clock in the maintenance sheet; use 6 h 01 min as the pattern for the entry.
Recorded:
8 h 48 min
